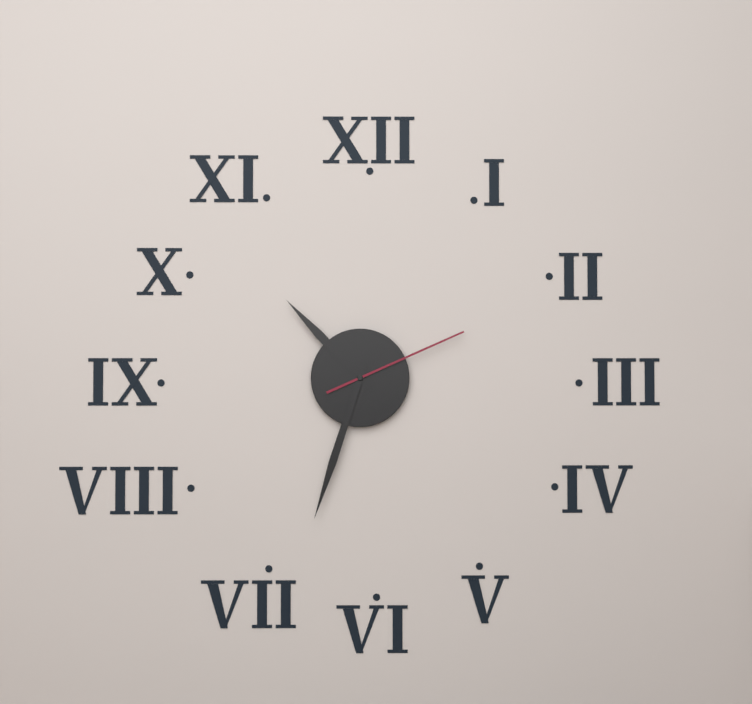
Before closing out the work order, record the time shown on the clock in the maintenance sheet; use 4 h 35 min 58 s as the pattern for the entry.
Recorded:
10 h 33 min 11 s
